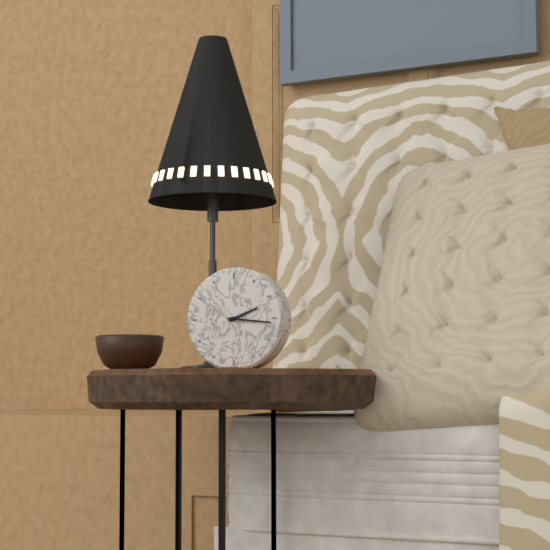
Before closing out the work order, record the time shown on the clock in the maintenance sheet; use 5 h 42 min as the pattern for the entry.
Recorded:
2 h 16 min
